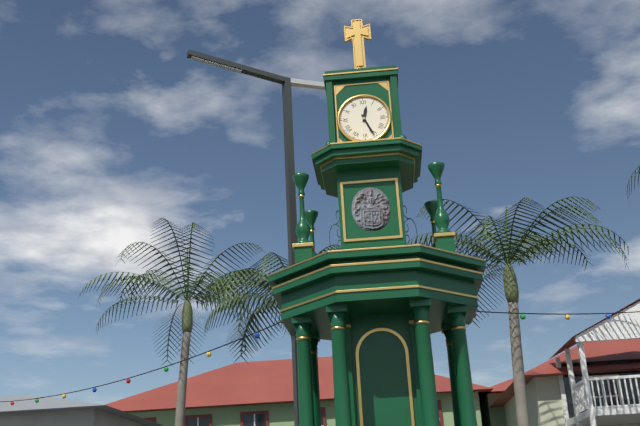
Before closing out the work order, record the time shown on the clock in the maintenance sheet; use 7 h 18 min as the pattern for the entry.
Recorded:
12 h 26 min
